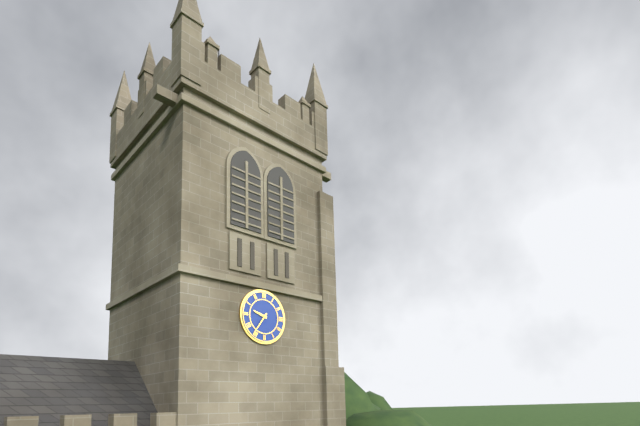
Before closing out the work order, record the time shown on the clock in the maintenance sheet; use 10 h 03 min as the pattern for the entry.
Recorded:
9 h 36 min
